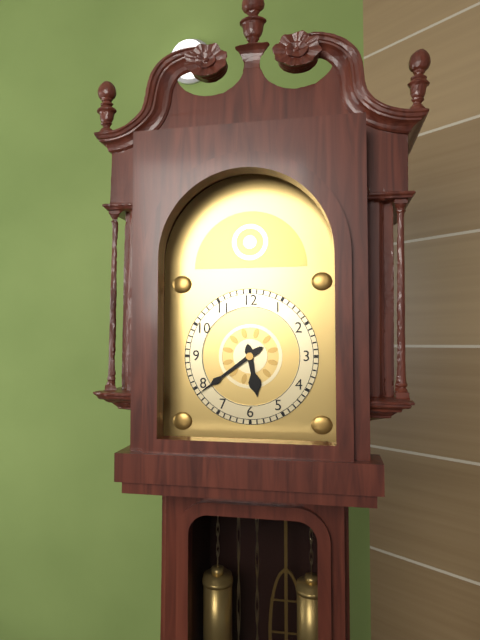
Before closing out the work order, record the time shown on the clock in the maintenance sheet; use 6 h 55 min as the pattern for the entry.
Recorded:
5 h 39 min
